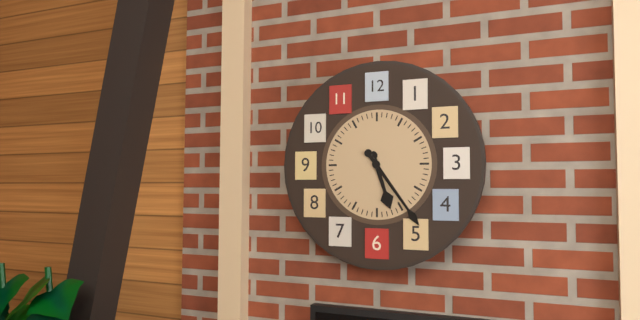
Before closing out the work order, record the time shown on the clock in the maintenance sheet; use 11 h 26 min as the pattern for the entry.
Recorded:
5 h 24 min
